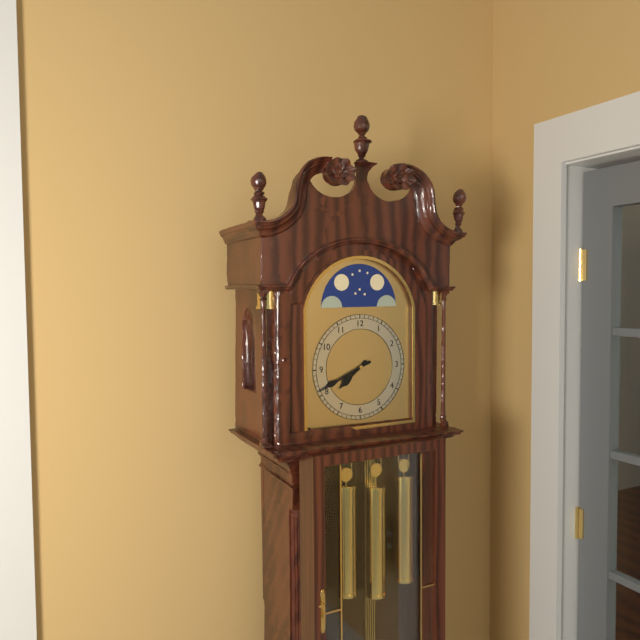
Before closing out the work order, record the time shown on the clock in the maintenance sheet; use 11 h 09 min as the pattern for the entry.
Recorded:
7 h 41 min
